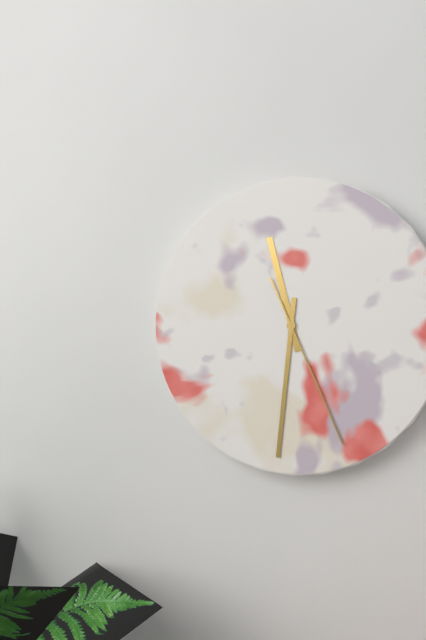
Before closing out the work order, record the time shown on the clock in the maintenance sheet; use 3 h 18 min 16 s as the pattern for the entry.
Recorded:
11 h 31 min 26 s
